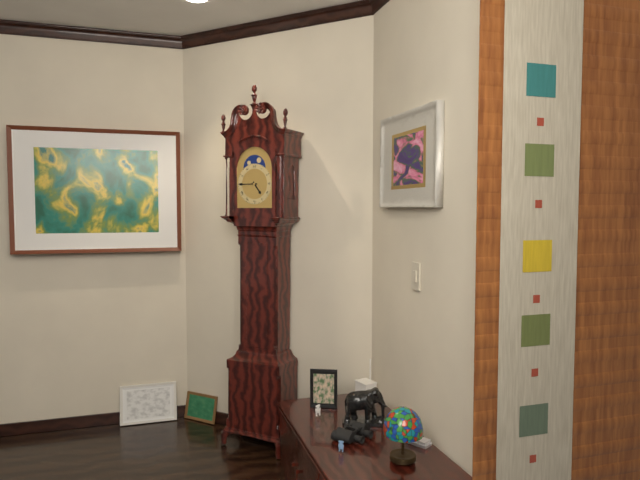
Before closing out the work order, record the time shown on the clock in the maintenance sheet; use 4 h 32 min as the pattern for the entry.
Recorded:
4 h 45 min
